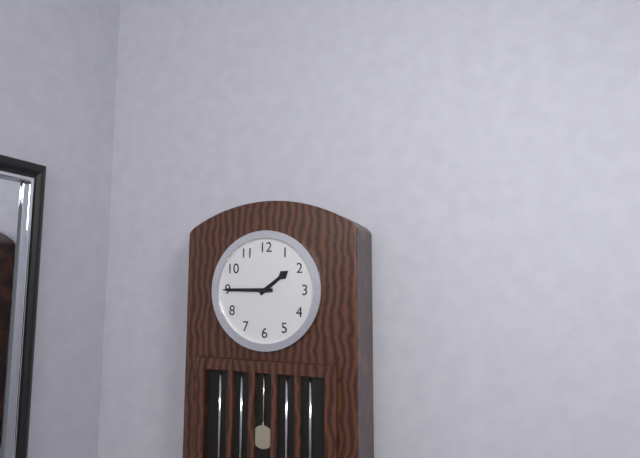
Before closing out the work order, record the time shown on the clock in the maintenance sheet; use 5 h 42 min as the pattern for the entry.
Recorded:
1 h 45 min
